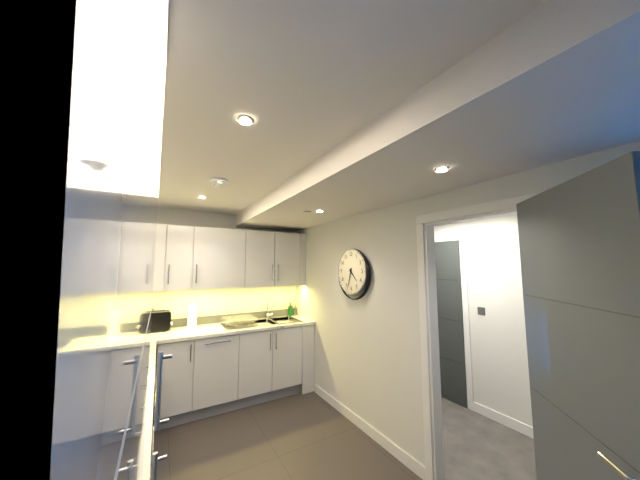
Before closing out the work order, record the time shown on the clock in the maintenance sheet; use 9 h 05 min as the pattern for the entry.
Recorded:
4 h 33 min
